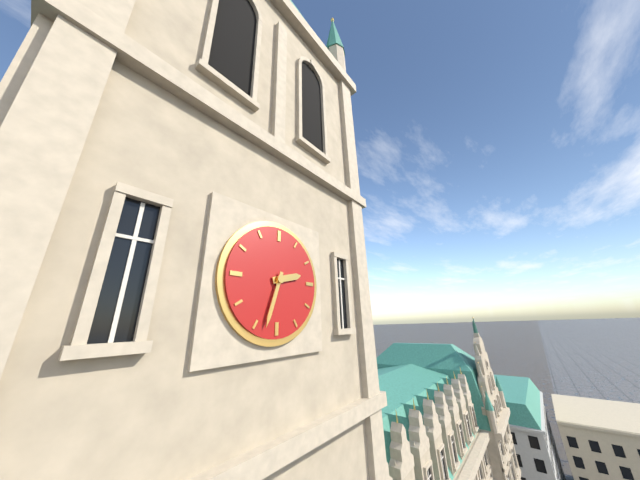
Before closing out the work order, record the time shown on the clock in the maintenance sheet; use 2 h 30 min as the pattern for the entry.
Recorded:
2 h 33 min
